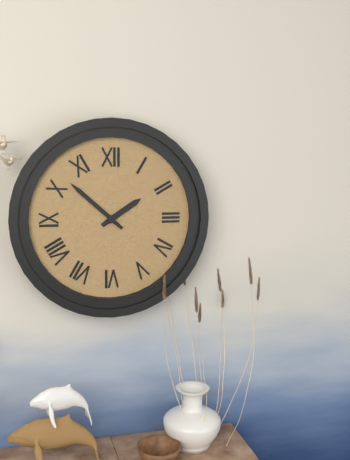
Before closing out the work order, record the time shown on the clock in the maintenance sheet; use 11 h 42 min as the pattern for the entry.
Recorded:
1 h 52 min
